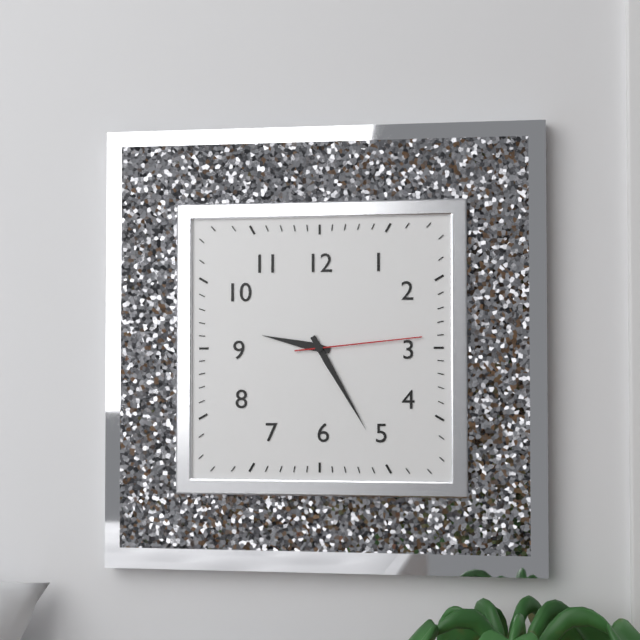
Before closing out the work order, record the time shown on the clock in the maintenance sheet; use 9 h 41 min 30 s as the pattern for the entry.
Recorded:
9 h 25 min 14 s
